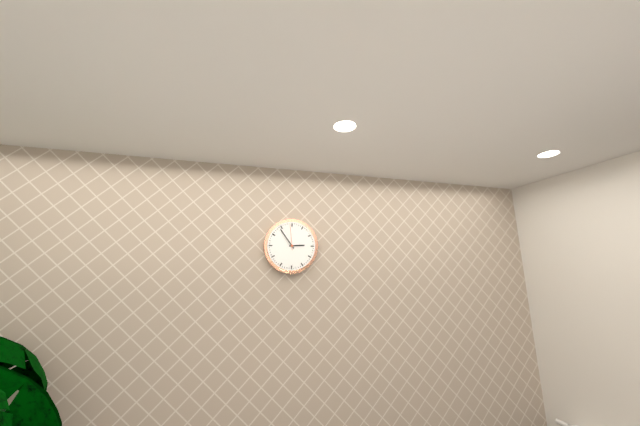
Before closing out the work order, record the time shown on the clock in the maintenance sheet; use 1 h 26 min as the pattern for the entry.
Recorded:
2 h 54 min
